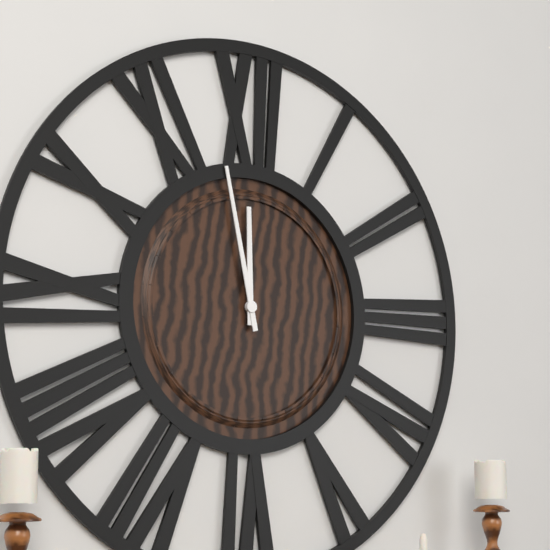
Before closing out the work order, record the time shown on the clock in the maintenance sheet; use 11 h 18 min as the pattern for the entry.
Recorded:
11 h 58 min
